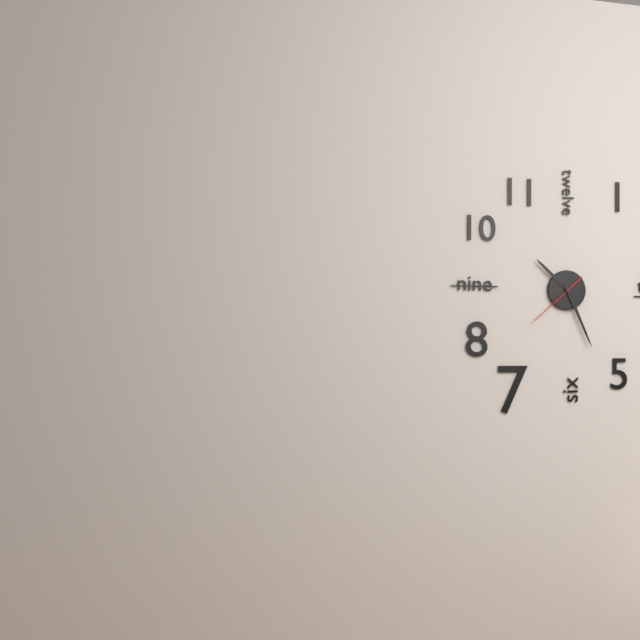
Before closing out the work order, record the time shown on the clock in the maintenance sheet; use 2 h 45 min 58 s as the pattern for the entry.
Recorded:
10 h 26 min 38 s
